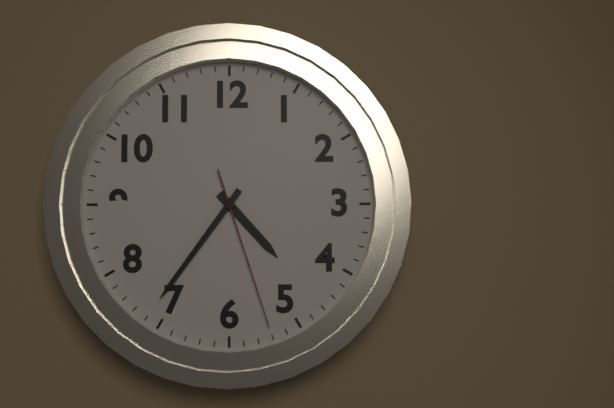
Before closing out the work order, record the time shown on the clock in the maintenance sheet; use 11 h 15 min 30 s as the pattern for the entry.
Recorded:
4 h 36 min 27 s
